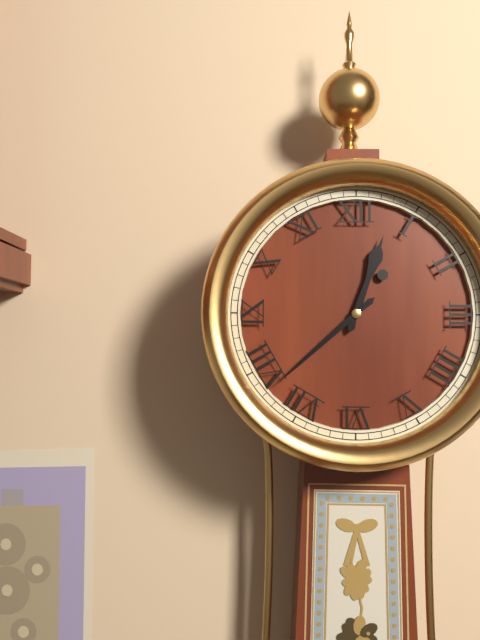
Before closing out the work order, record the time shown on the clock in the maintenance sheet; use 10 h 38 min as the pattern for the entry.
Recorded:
12 h 38 min
